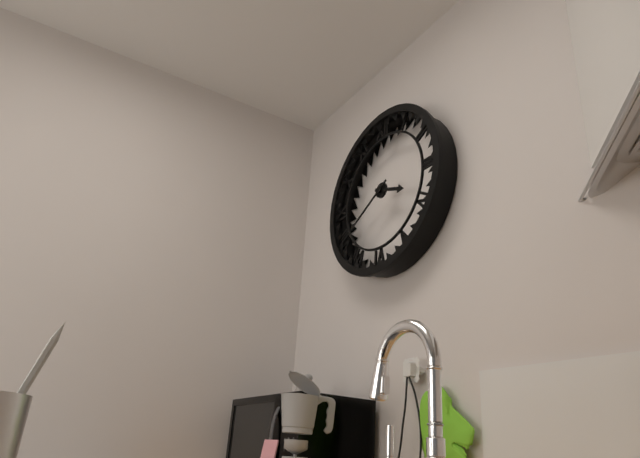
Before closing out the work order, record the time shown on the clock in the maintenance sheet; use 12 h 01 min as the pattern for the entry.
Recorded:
3 h 40 min
